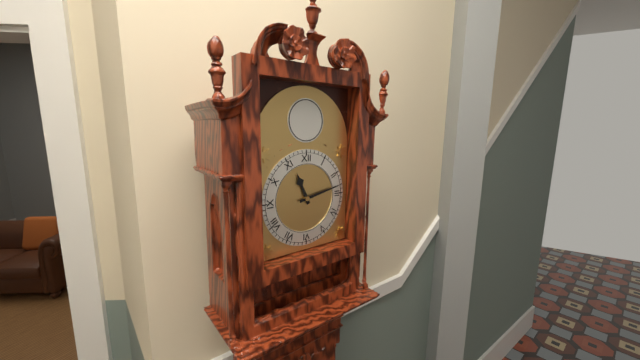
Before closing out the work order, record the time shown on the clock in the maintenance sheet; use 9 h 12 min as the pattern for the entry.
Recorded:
11 h 13 min
